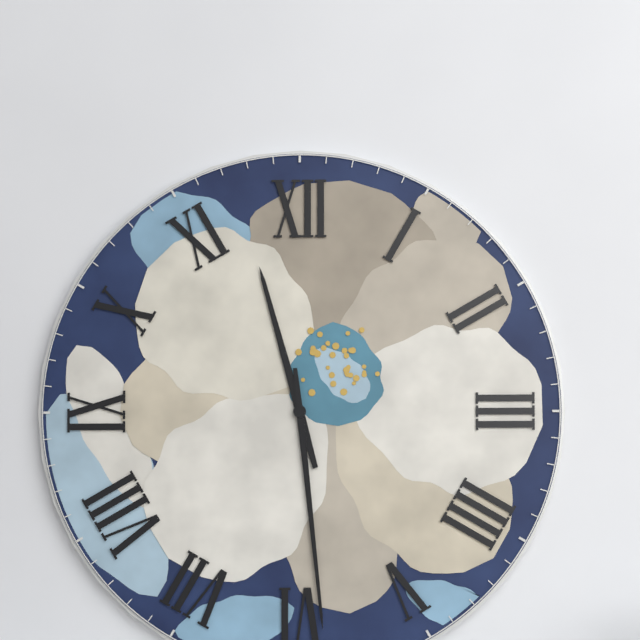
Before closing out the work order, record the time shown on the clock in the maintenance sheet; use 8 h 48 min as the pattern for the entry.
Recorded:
11 h 29 min
